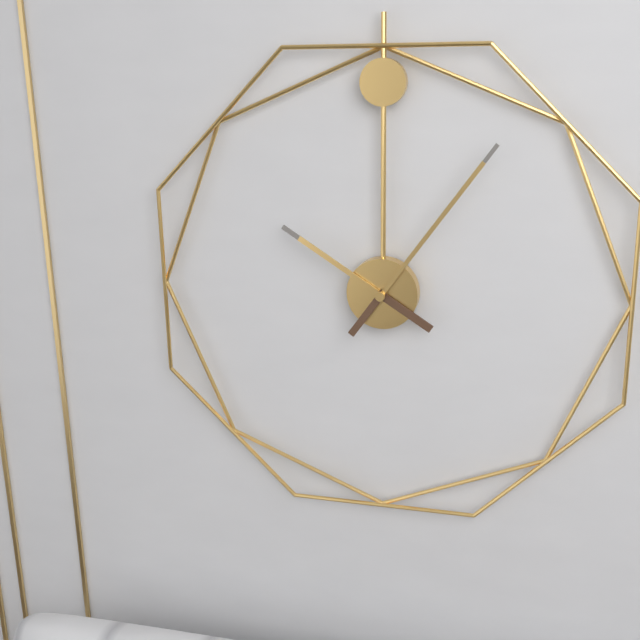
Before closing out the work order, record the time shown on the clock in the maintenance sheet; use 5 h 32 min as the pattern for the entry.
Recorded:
10 h 06 min
